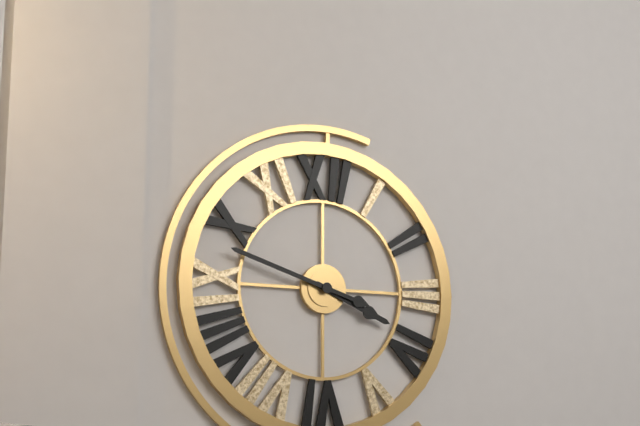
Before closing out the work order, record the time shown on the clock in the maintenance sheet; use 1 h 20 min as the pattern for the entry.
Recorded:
3 h 48 min
